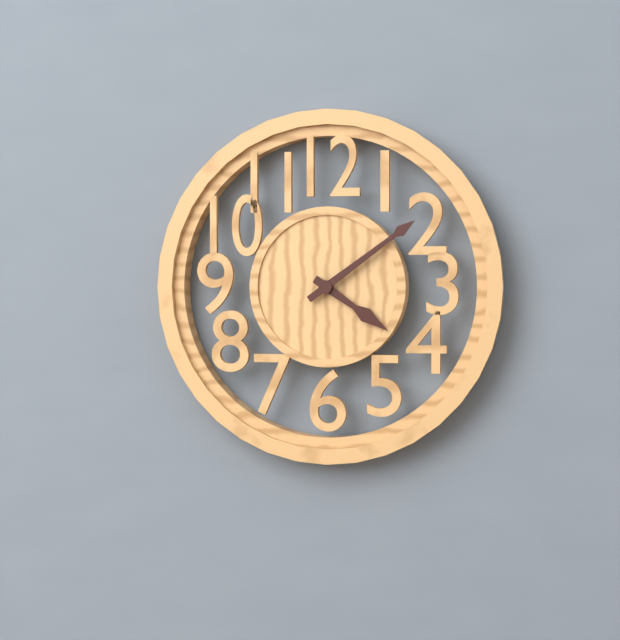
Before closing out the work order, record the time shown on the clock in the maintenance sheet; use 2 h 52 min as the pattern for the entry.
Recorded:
4 h 09 min
